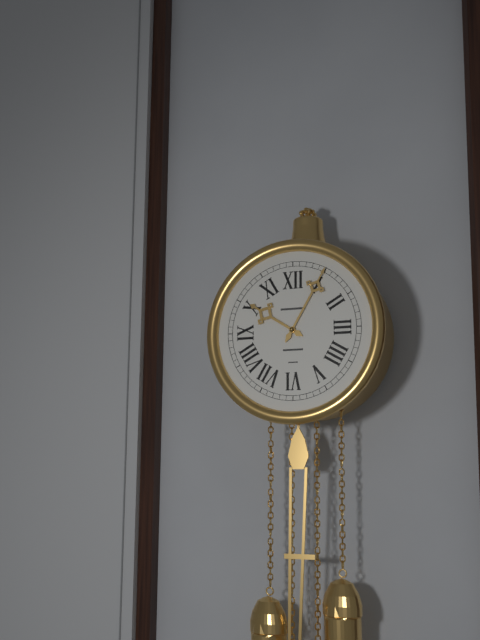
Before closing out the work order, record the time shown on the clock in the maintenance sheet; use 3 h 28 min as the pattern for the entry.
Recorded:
10 h 05 min
